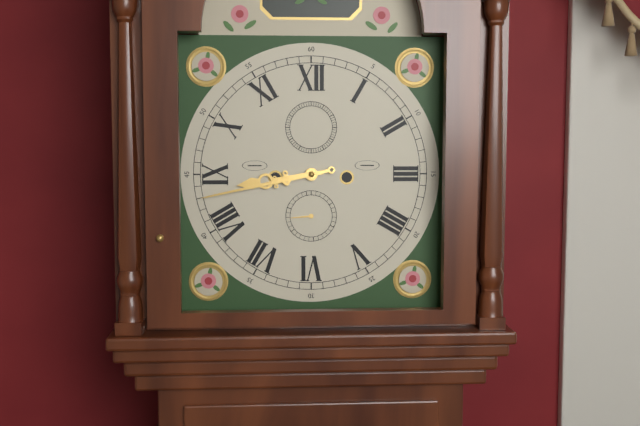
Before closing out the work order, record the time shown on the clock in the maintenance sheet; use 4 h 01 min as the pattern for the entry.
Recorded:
8 h 43 min
